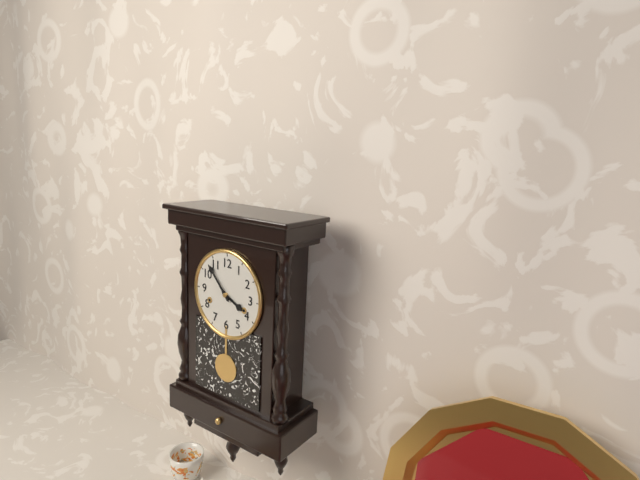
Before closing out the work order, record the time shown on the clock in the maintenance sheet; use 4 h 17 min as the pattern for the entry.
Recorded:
3 h 53 min
